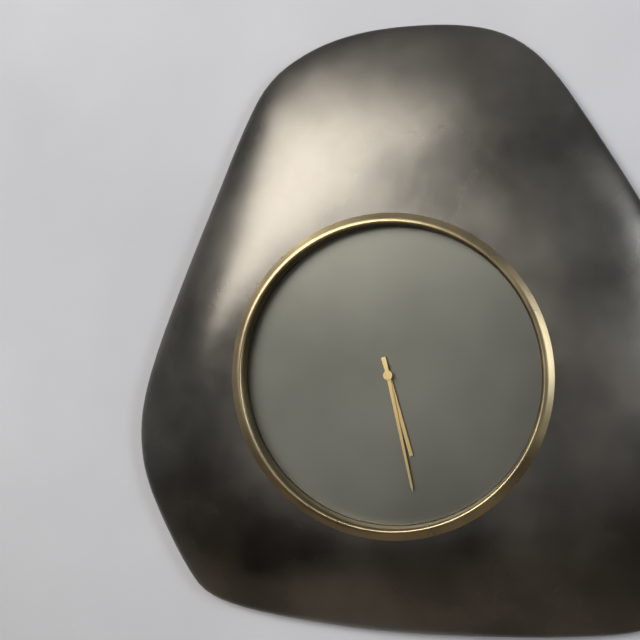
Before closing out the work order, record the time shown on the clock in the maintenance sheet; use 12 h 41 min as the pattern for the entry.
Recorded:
5 h 28 min
